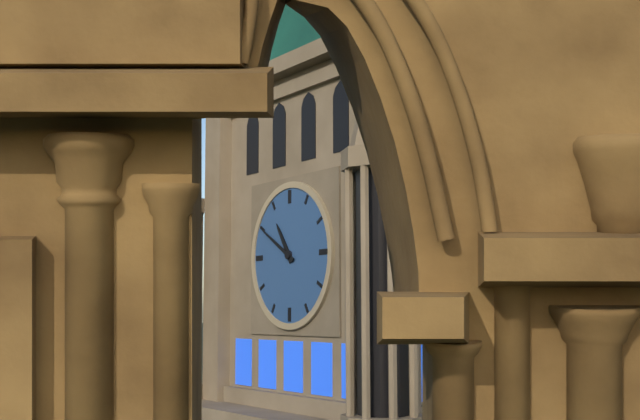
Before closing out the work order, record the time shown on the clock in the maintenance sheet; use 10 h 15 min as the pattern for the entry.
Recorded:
10 h 50 min
